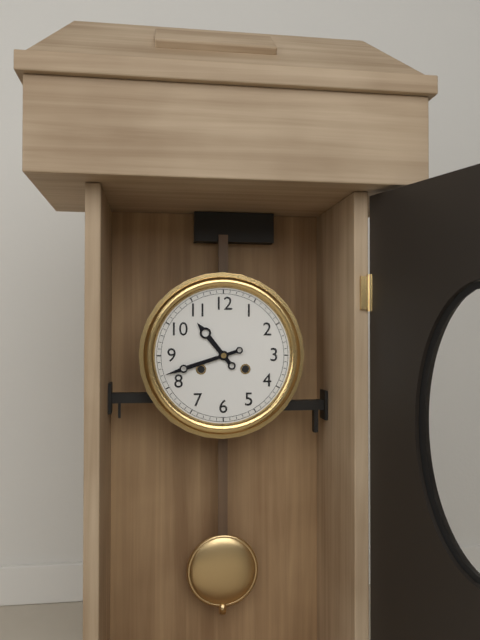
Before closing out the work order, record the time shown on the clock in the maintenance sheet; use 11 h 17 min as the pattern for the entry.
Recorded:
10 h 42 min
